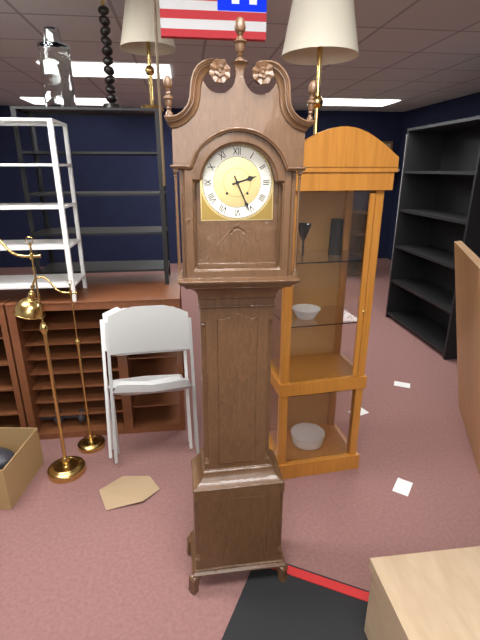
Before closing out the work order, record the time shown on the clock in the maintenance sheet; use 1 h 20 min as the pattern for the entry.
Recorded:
2 h 26 min
